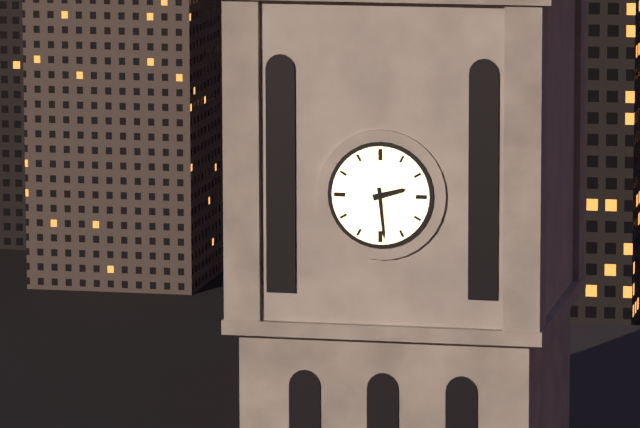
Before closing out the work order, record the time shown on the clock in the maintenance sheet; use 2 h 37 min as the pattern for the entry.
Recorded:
2 h 29 min
